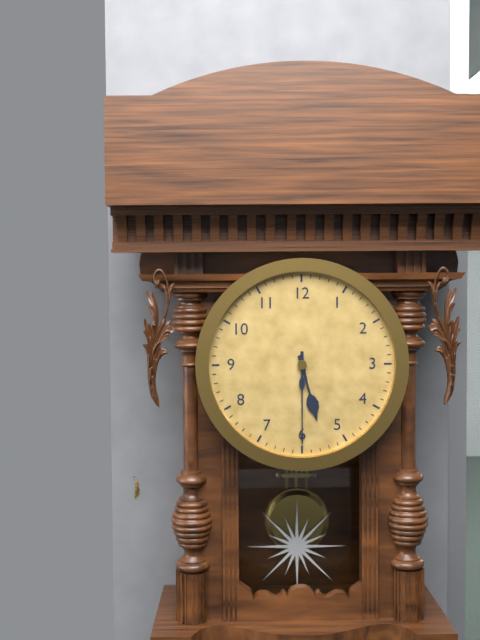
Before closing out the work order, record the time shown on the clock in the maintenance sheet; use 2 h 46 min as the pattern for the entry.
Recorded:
5 h 30 min
